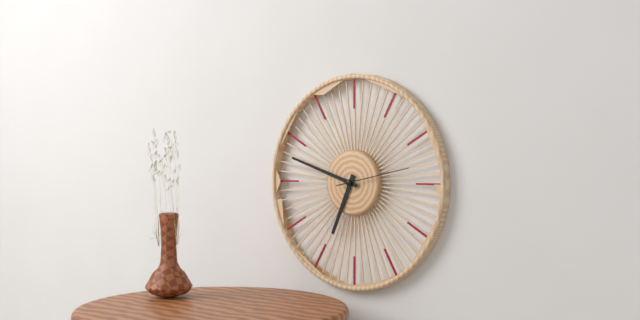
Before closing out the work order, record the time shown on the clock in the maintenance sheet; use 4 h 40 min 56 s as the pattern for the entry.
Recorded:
6 h 48 min 13 s
